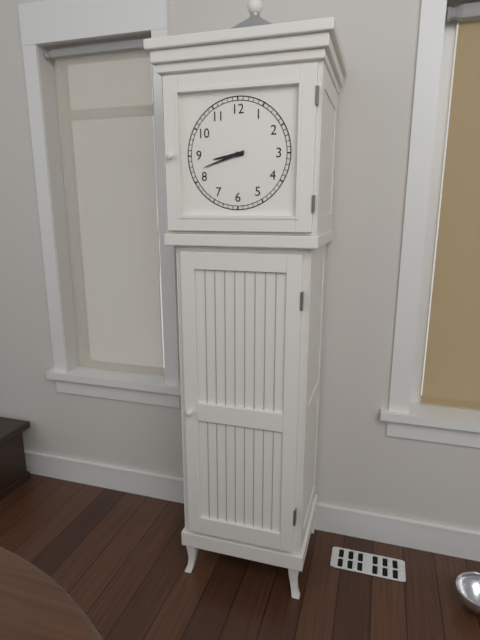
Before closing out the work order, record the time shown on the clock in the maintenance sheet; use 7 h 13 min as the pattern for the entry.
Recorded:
8 h 42 min
